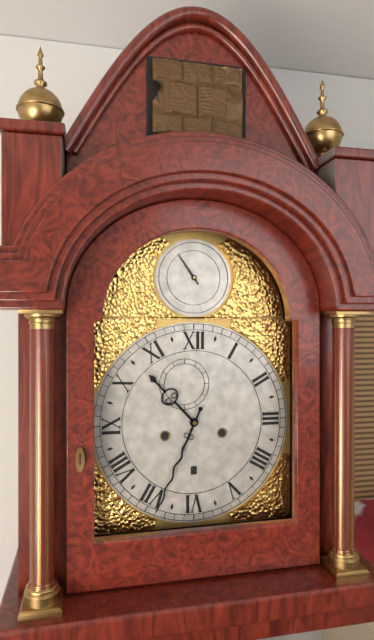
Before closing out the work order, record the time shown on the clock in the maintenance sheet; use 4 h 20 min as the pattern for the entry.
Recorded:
10 h 34 min
